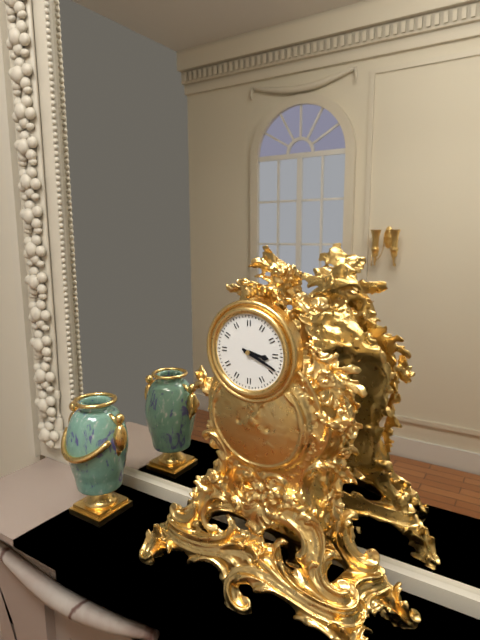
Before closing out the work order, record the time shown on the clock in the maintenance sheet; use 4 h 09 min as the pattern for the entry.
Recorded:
3 h 19 min
